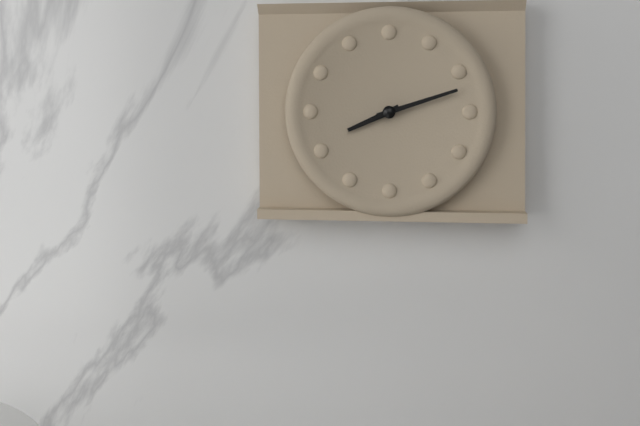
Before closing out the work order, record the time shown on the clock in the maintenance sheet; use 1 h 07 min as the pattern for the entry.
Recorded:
8 h 12 min
